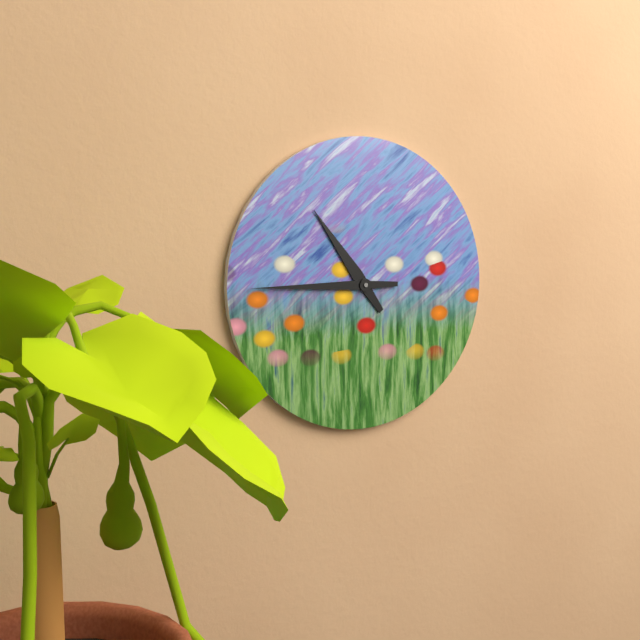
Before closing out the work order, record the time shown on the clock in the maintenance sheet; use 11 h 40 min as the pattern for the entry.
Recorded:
10 h 45 min
